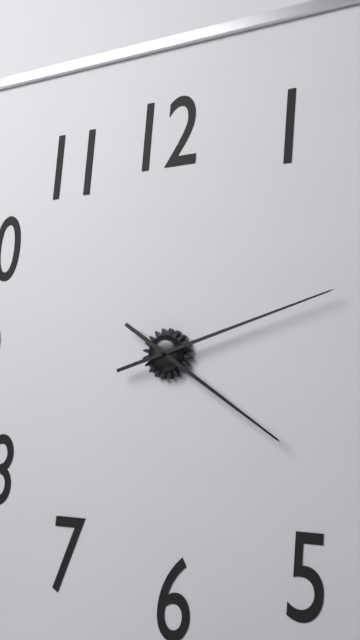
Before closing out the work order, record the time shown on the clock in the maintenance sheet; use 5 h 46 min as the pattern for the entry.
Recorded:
4 h 12 min
